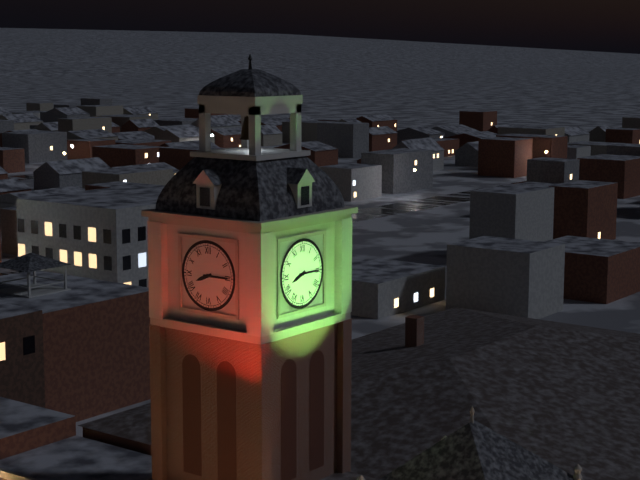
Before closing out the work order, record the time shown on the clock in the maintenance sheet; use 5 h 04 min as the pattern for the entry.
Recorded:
8 h 15 min
